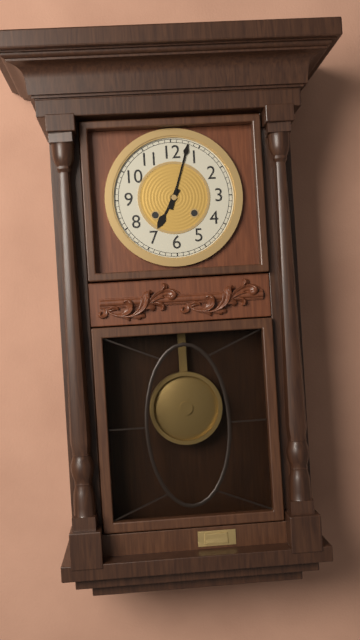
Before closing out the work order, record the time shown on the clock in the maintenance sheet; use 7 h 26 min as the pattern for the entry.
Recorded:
7 h 03 min
